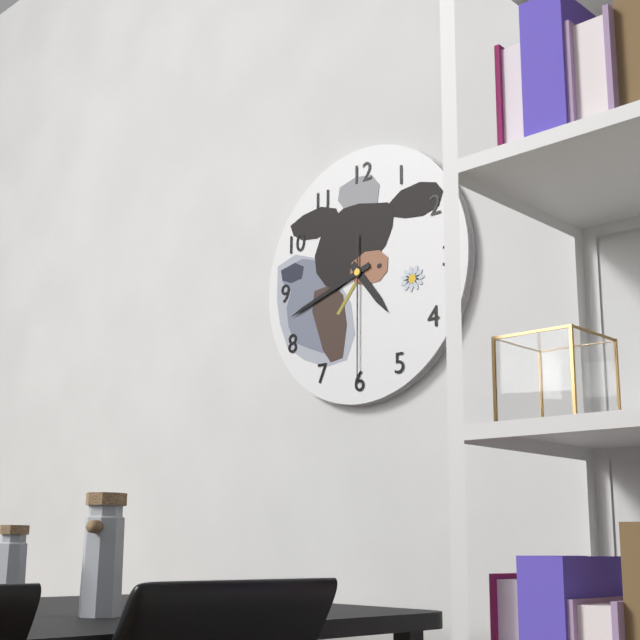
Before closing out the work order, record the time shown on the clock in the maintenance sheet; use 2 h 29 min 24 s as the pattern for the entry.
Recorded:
4 h 42 min 30 s
